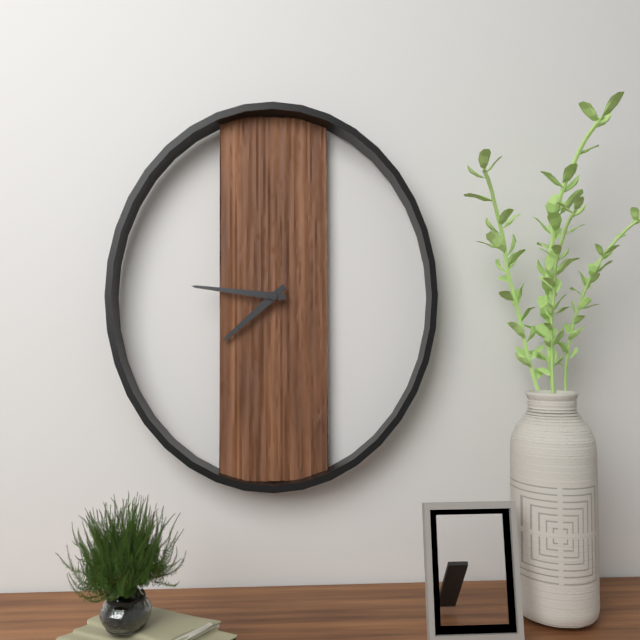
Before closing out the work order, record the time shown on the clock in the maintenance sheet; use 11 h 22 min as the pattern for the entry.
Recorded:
7 h 46 min
